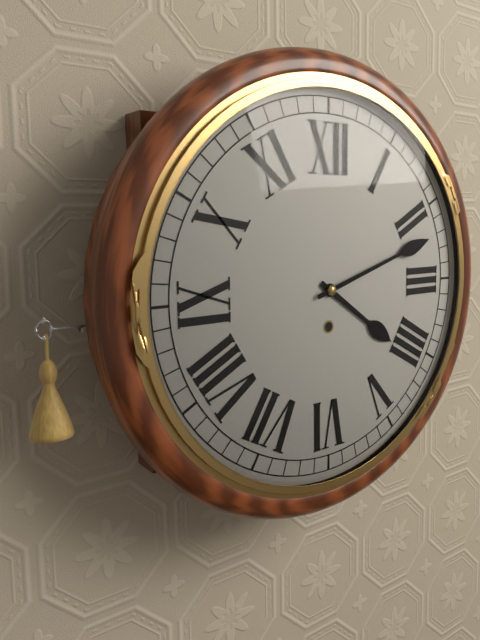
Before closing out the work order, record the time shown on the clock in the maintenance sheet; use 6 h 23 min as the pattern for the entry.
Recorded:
4 h 12 min
